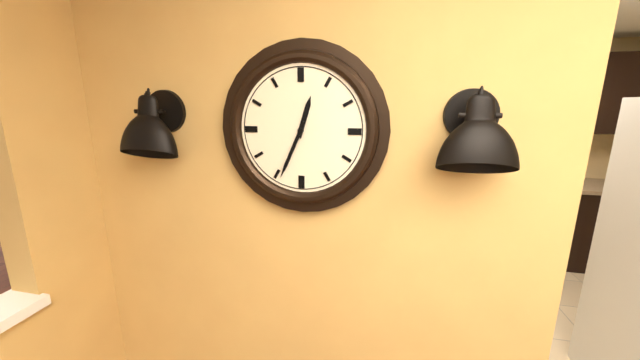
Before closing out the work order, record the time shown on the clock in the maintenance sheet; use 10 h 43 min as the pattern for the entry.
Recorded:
12 h 34 min
